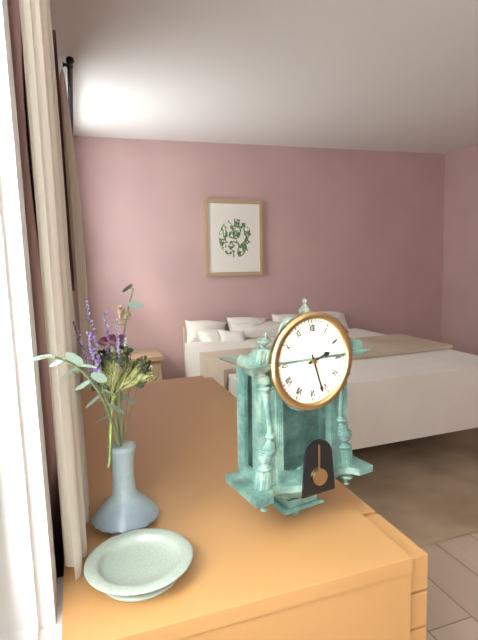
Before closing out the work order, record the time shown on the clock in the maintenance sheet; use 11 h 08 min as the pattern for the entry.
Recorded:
2 h 27 min
